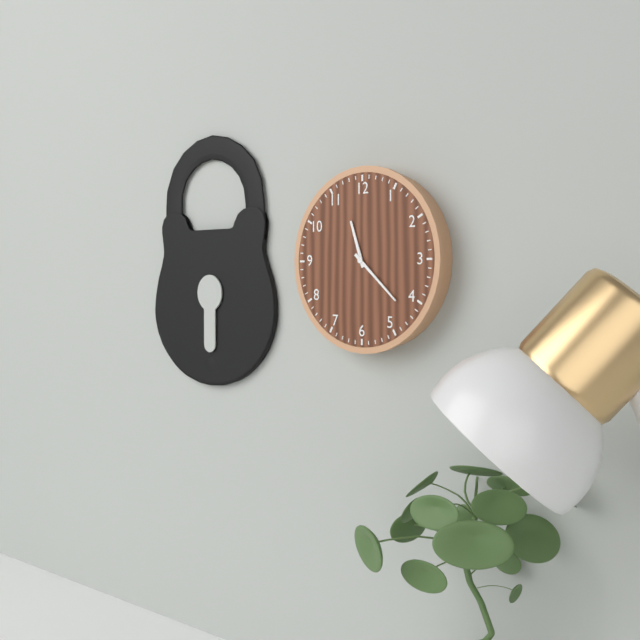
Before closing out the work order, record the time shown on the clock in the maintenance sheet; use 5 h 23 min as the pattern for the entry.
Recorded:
11 h 22 min
